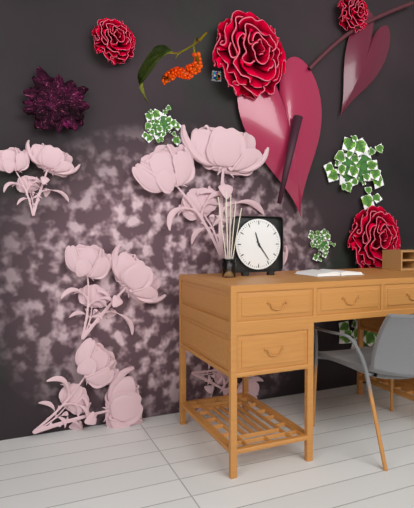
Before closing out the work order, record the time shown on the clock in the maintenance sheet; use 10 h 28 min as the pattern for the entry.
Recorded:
11 h 24 min
